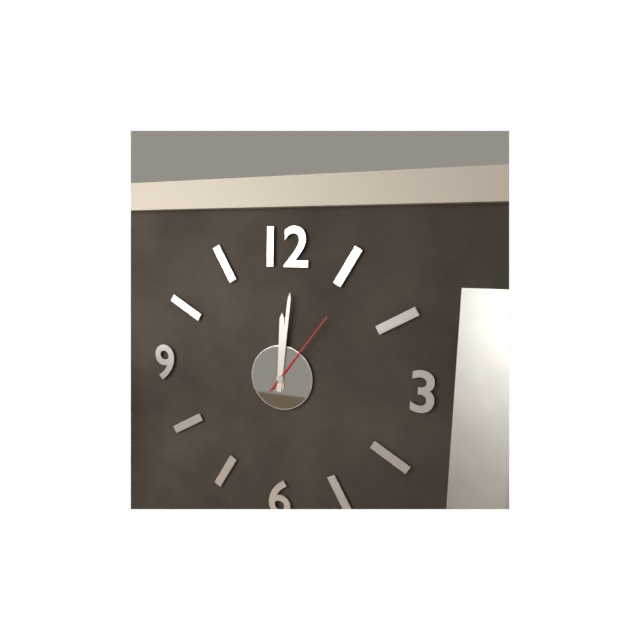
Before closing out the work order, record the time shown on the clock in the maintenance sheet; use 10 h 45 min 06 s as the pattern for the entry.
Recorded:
12 h 01 min 06 s
